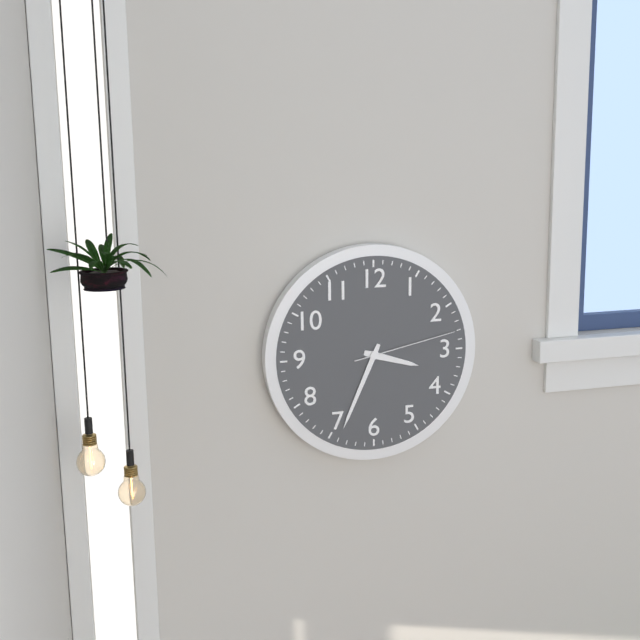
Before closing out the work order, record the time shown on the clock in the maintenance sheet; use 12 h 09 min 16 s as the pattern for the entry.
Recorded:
3 h 34 min 13 s
